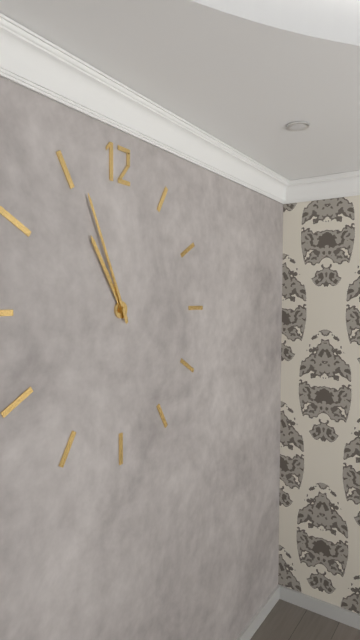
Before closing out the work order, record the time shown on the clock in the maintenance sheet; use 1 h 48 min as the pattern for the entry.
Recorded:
10 h 56 min
